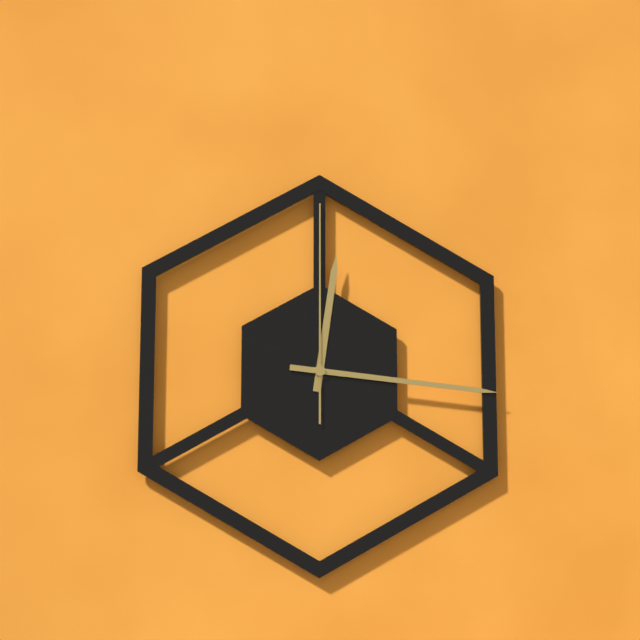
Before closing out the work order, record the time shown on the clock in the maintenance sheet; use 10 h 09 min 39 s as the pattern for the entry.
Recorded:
12 h 16 min 00 s
